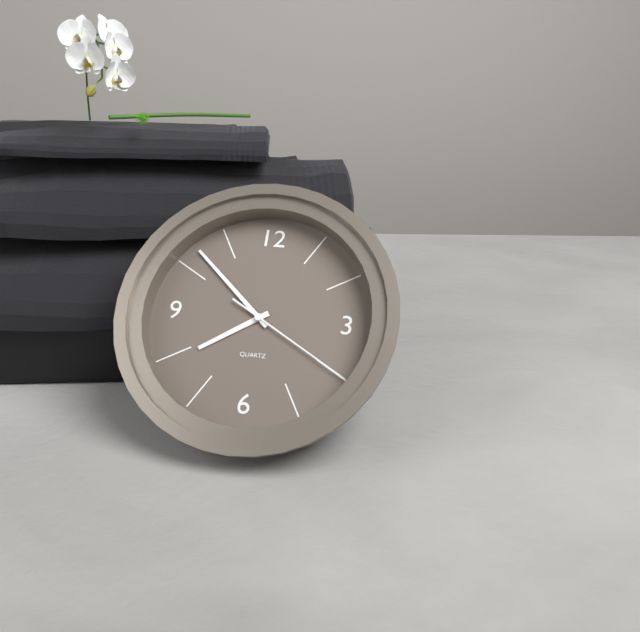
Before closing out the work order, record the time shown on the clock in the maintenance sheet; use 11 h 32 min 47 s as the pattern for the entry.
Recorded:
7 h 52 min 20 s
